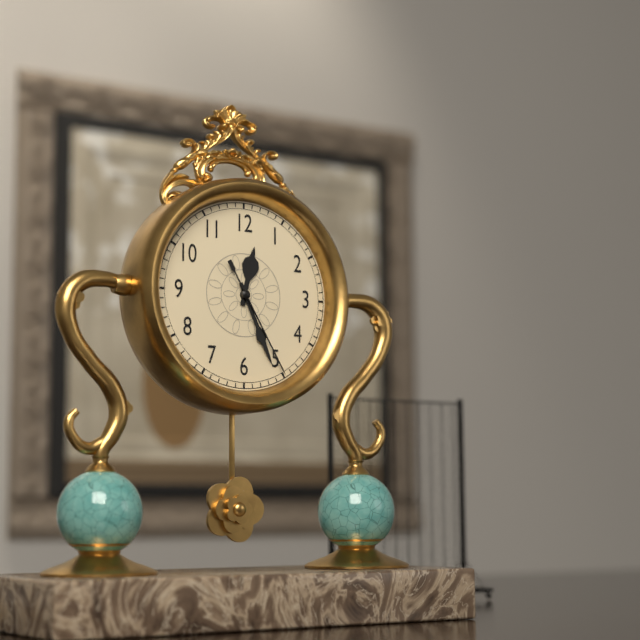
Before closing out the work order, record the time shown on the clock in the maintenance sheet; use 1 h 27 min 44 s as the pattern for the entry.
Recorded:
12 h 26 min 25 s
